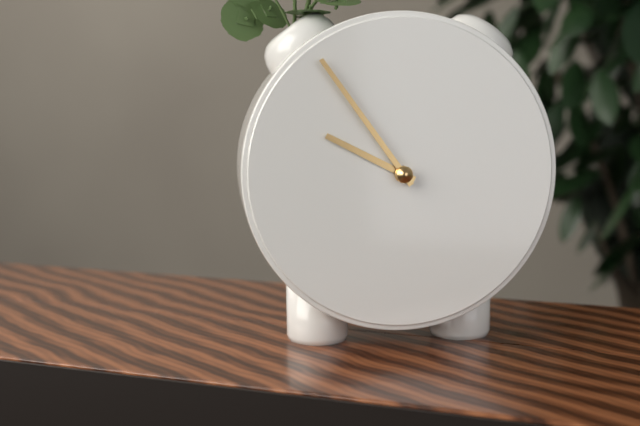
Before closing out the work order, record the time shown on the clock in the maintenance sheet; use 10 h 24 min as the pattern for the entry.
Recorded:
9 h 54 min
